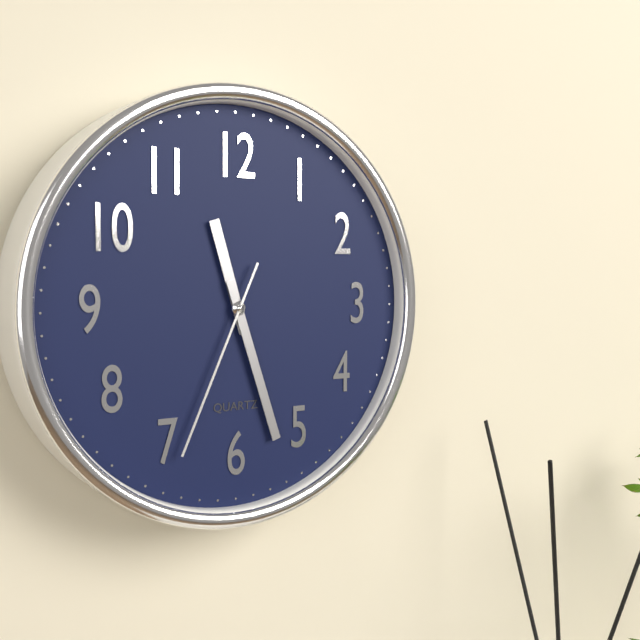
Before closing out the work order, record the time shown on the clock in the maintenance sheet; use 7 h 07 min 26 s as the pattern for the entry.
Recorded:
11 h 27 min 34 s
